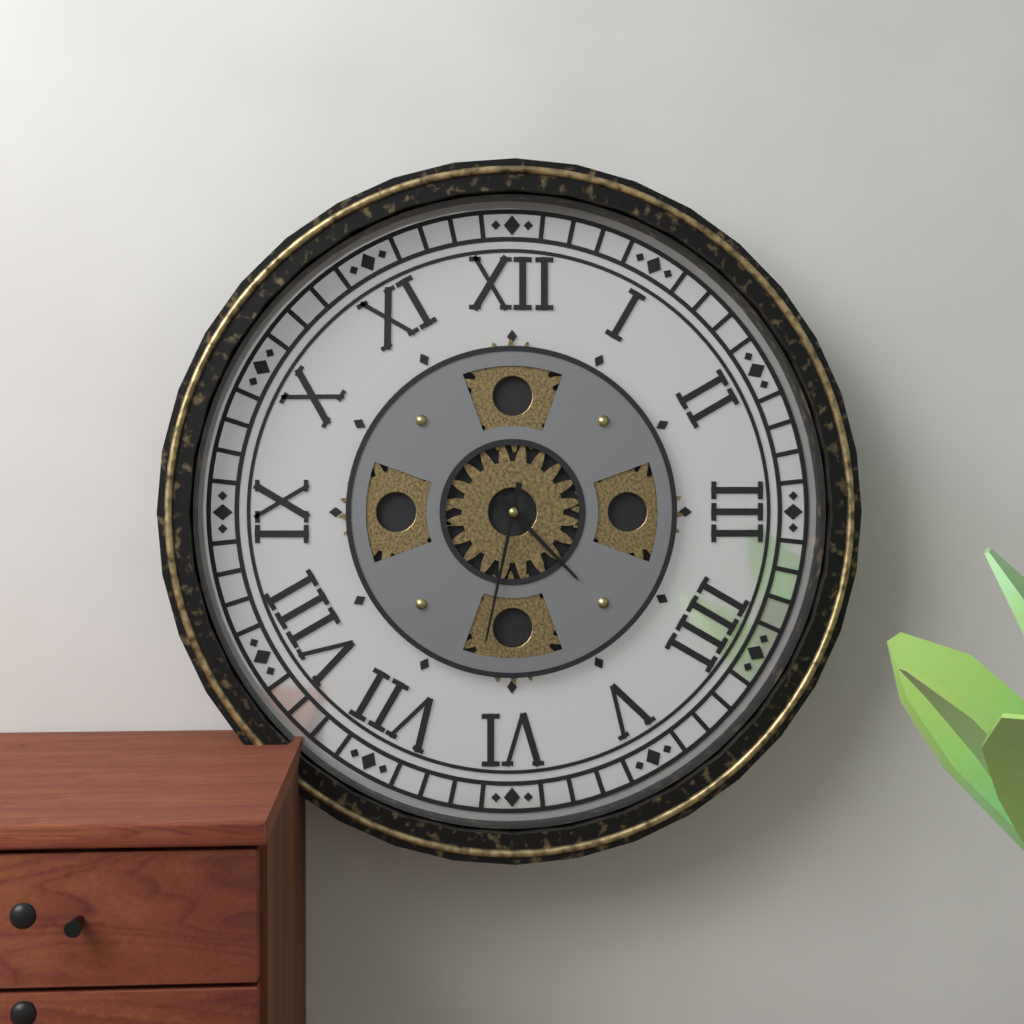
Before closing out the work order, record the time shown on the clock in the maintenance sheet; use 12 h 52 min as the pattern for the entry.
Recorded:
4 h 32 min
